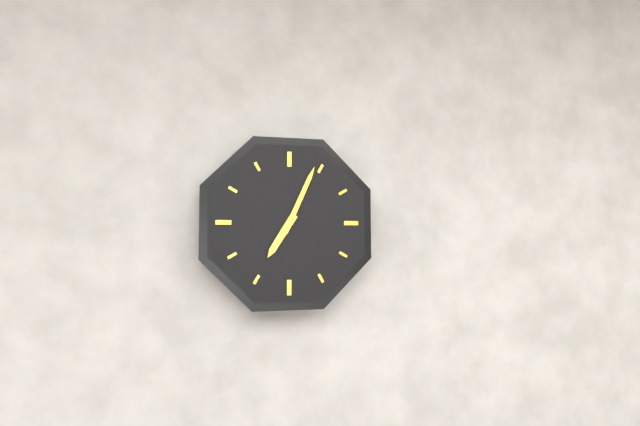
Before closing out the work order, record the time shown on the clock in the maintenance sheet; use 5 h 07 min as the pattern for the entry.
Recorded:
7 h 04 min
